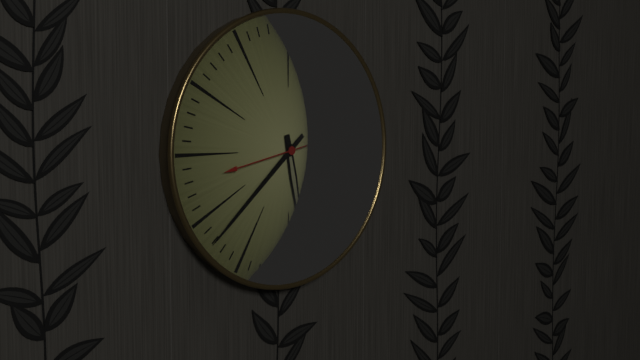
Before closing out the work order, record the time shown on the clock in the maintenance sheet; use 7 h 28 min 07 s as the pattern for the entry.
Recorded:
5 h 38 min 43 s
